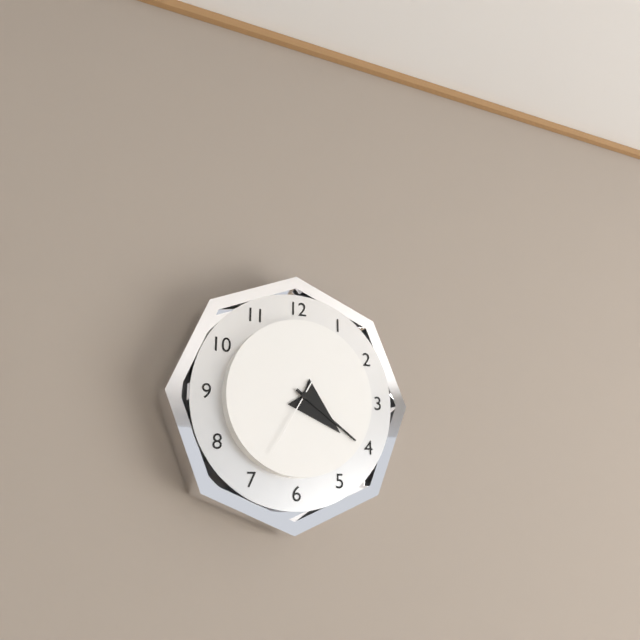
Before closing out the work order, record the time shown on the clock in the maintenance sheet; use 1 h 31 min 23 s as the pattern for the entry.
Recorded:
4 h 21 min 35 s
